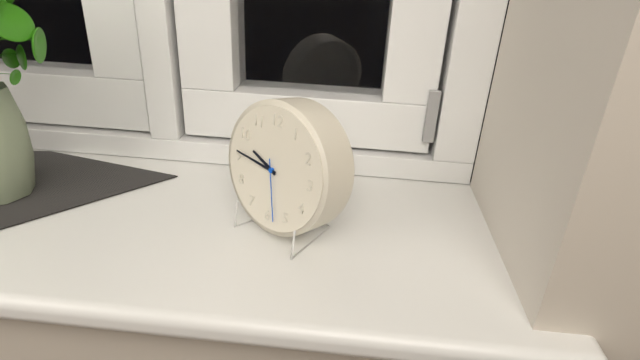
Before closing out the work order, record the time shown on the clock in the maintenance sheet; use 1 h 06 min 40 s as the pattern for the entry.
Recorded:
9 h 46 min 28 s
